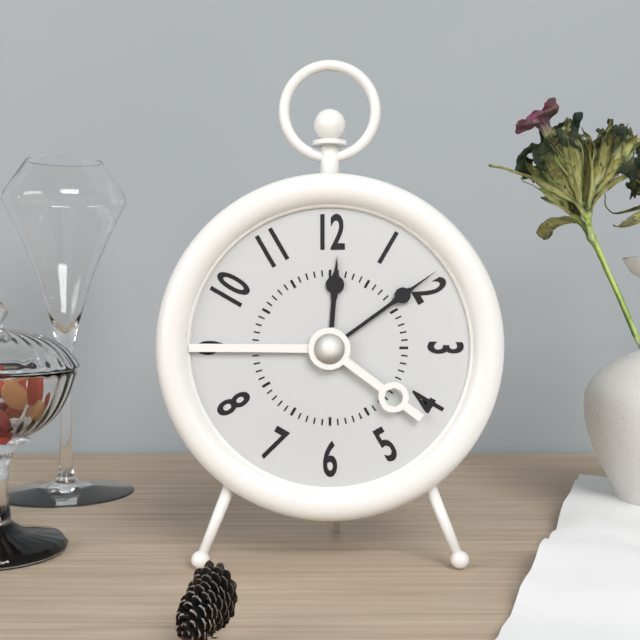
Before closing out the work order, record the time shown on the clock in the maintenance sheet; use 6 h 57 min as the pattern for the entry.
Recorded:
12 h 09 min
